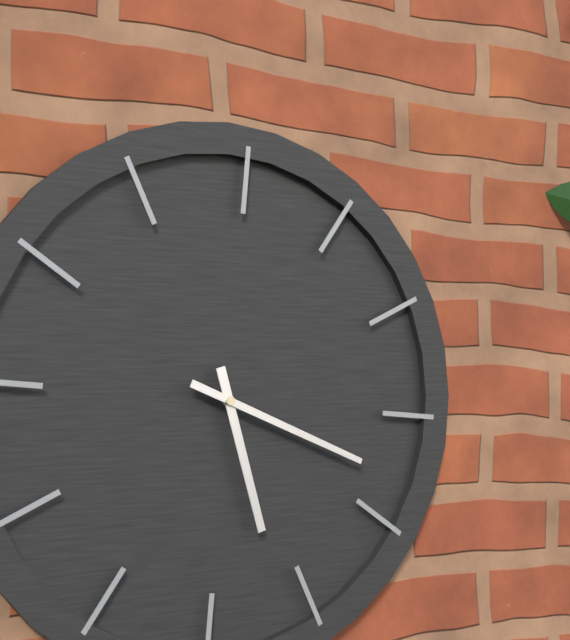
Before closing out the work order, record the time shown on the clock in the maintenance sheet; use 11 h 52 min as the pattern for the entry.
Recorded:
5 h 18 min
